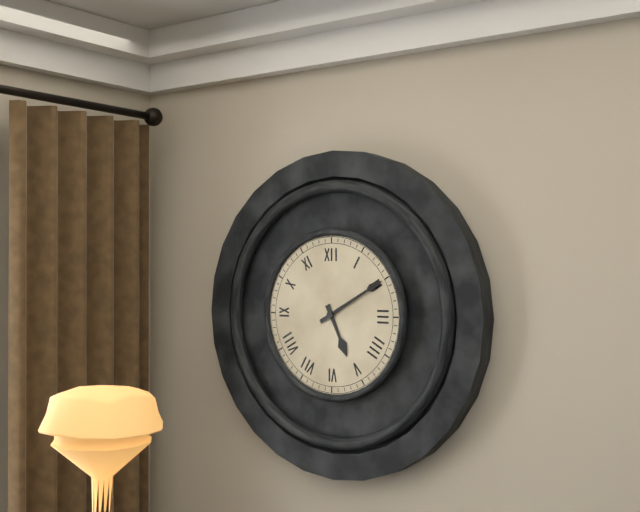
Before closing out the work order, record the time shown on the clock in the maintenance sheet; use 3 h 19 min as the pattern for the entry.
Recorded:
5 h 10 min
